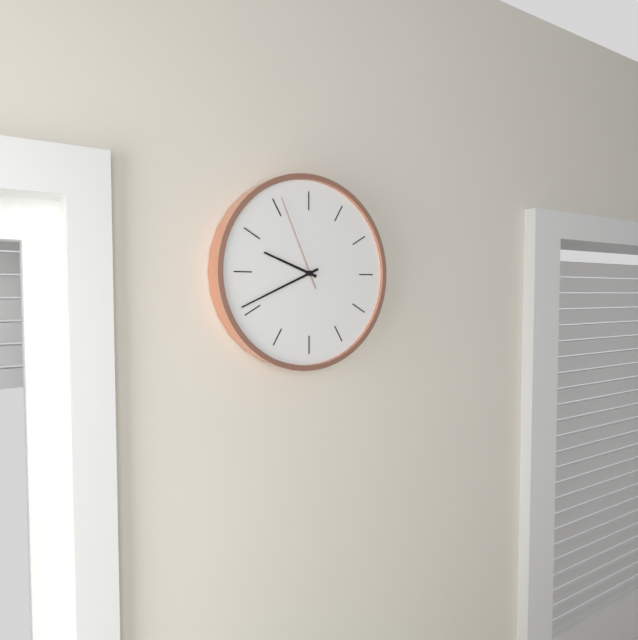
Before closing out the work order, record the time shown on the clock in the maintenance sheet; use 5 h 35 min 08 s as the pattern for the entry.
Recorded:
9 h 41 min 56 s
